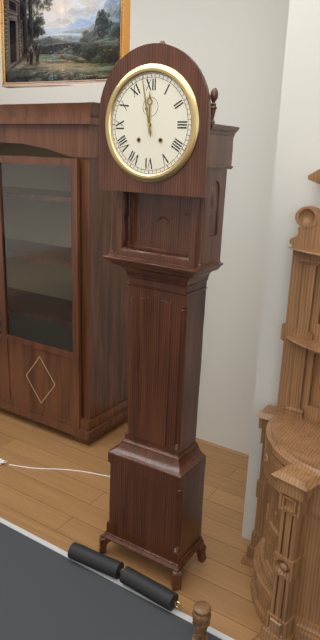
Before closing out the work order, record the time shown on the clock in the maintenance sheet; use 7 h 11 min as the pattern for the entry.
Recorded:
11 h 58 min
